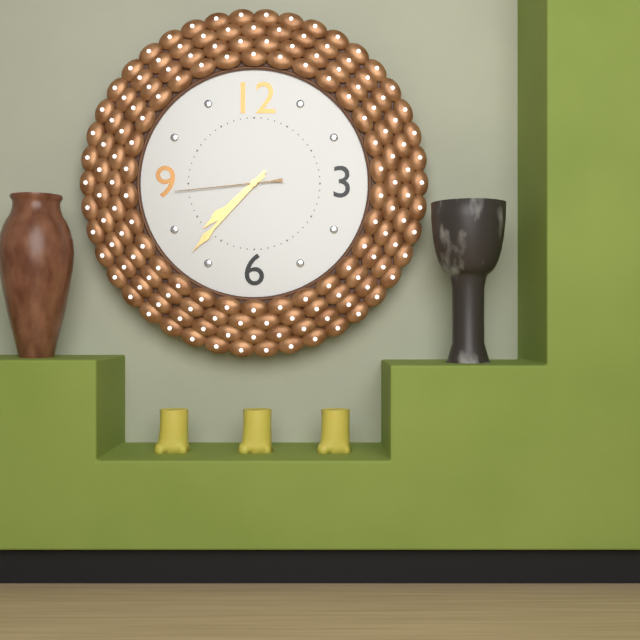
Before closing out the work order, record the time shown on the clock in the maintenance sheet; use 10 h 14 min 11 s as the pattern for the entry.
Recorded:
7 h 37 min 44 s
